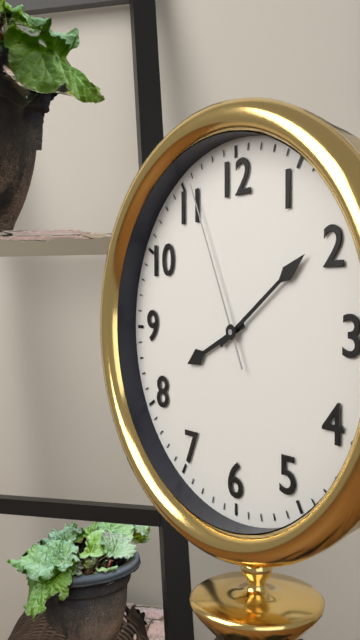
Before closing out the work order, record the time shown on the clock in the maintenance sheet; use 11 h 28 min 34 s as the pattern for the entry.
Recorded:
8 h 09 min 56 s
